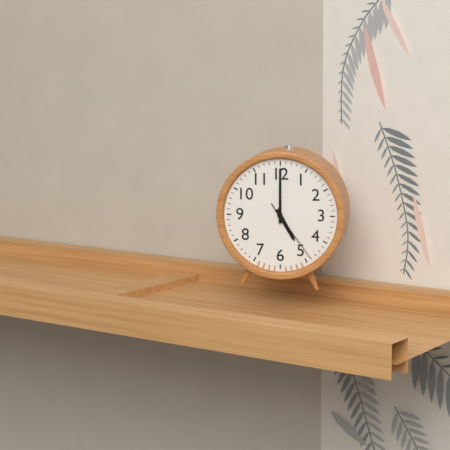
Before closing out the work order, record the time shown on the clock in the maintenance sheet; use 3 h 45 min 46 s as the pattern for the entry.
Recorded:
5 h 00 min 24 s
